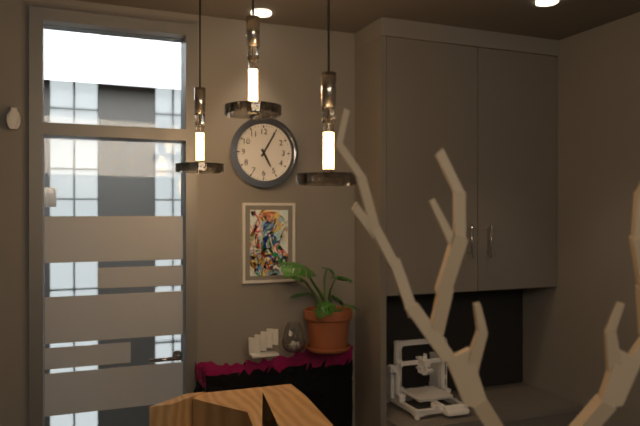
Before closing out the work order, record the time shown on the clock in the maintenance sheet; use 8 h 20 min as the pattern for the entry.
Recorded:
5 h 05 min
